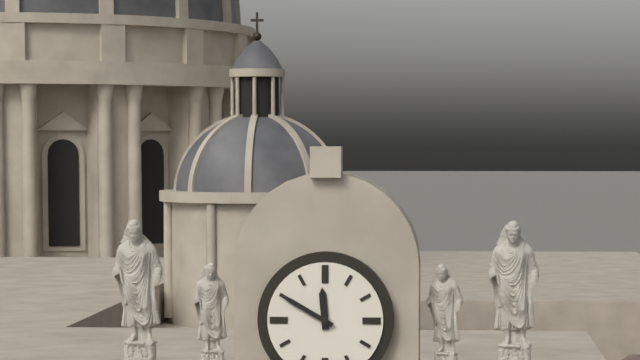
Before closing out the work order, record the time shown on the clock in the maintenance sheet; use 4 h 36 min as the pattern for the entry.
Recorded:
11 h 50 min
